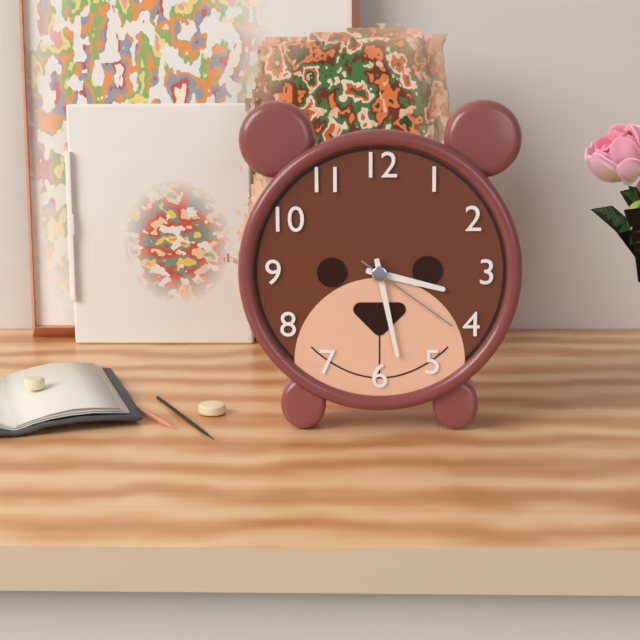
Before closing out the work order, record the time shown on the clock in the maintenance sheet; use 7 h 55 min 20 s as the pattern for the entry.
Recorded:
3 h 28 min 21 s
